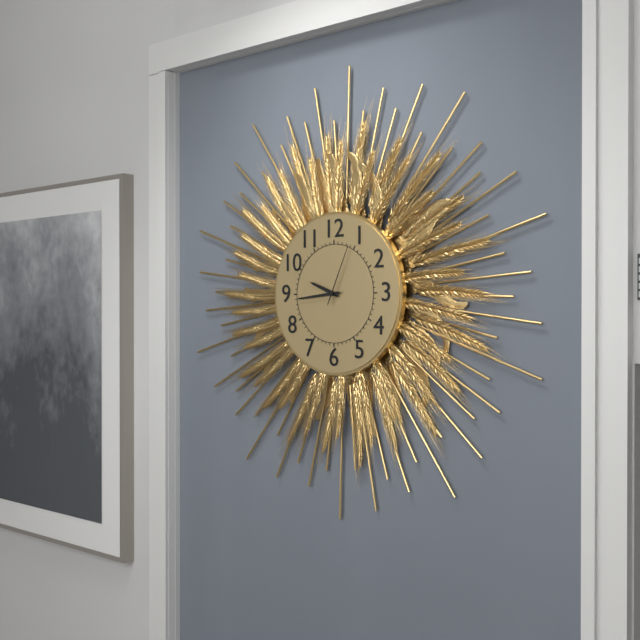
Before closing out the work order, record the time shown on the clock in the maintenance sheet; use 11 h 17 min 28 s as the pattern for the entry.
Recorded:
9 h 44 min 04 s
